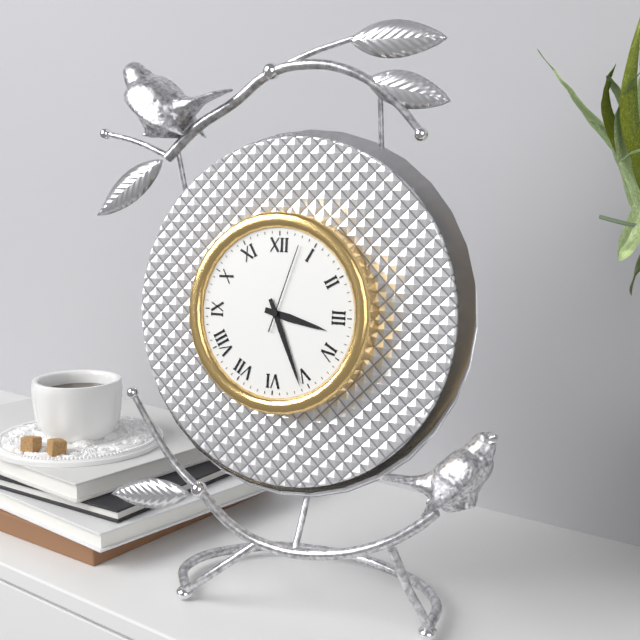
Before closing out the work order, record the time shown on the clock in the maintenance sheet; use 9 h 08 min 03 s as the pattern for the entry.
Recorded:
3 h 26 min 03 s
